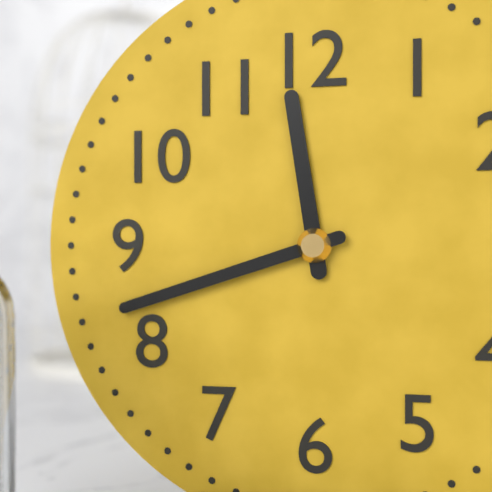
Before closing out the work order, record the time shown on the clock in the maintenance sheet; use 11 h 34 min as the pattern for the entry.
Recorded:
11 h 42 min
